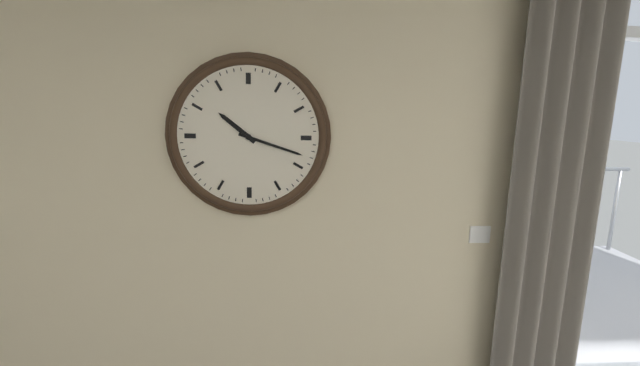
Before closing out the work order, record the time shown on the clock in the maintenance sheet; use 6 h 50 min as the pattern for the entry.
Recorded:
10 h 18 min
